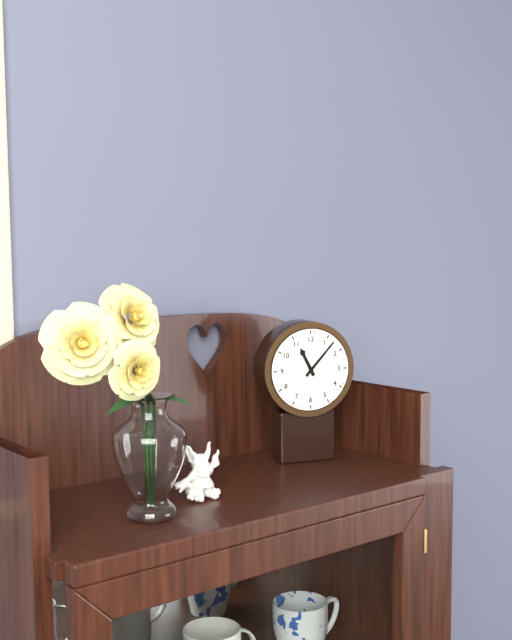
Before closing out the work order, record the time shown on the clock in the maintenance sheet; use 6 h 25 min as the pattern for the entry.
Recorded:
11 h 07 min
